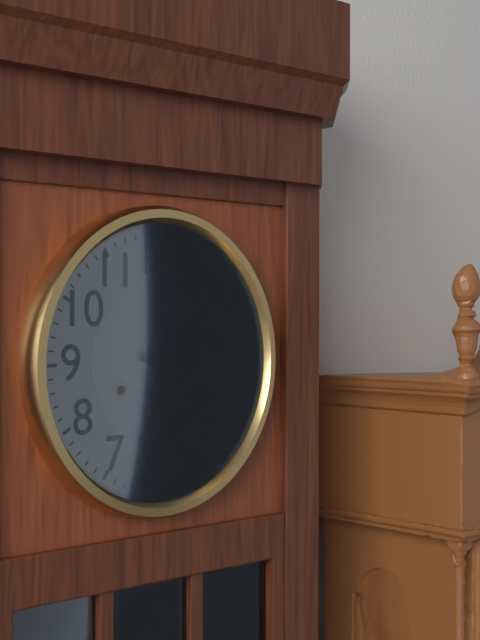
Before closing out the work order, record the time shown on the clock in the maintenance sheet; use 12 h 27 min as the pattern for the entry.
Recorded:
4 h 18 min
